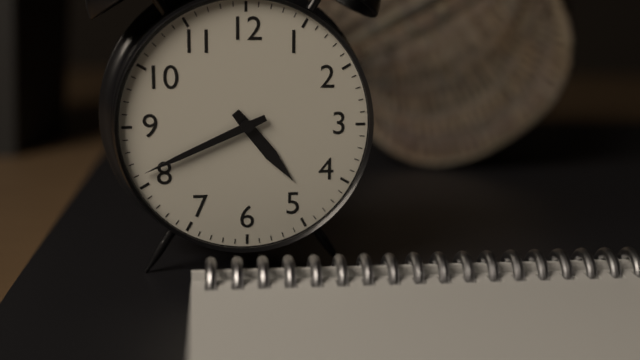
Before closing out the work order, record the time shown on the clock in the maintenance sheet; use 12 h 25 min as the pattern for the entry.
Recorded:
4 h 41 min
